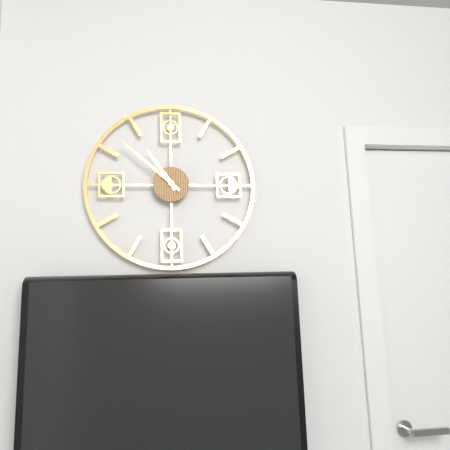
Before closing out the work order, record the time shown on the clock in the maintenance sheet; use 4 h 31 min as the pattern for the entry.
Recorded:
10 h 52 min
